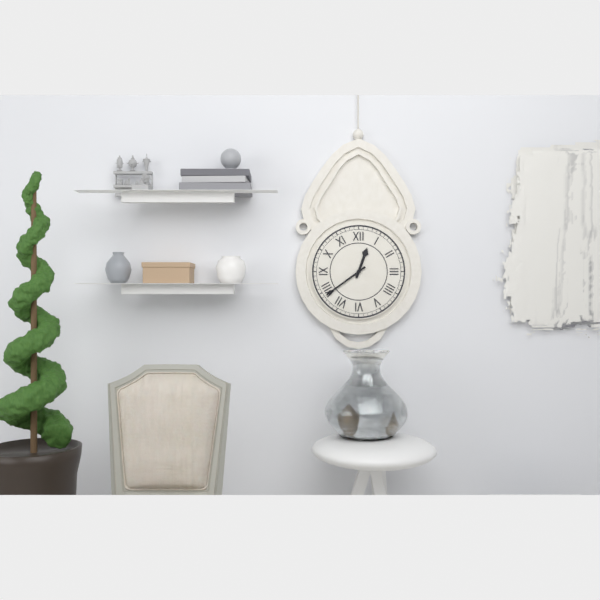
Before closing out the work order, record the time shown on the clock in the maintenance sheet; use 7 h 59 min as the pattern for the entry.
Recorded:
12 h 39 min
